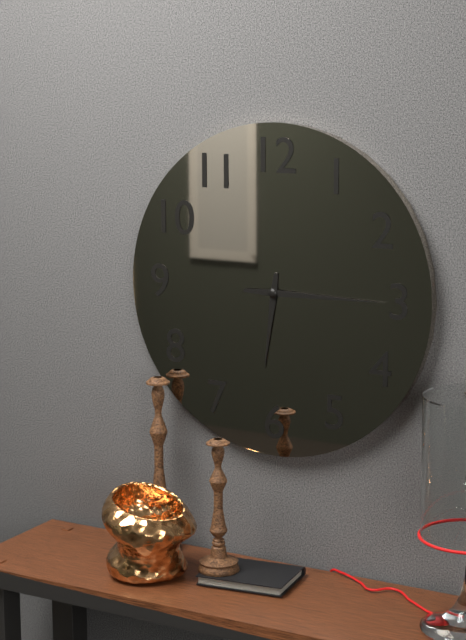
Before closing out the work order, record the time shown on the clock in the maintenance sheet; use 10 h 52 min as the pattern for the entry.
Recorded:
6 h 15 min
